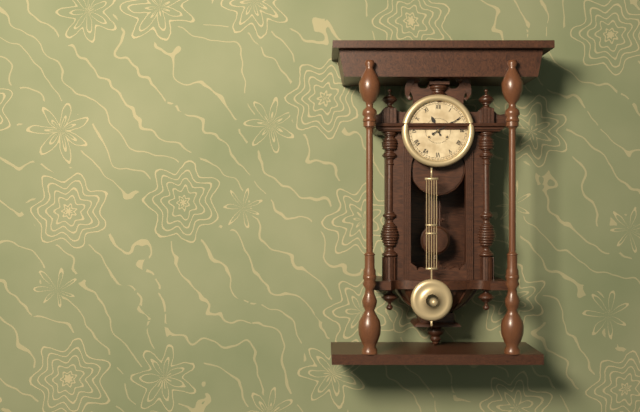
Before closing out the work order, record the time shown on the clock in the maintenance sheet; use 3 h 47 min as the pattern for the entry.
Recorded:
11 h 10 min
